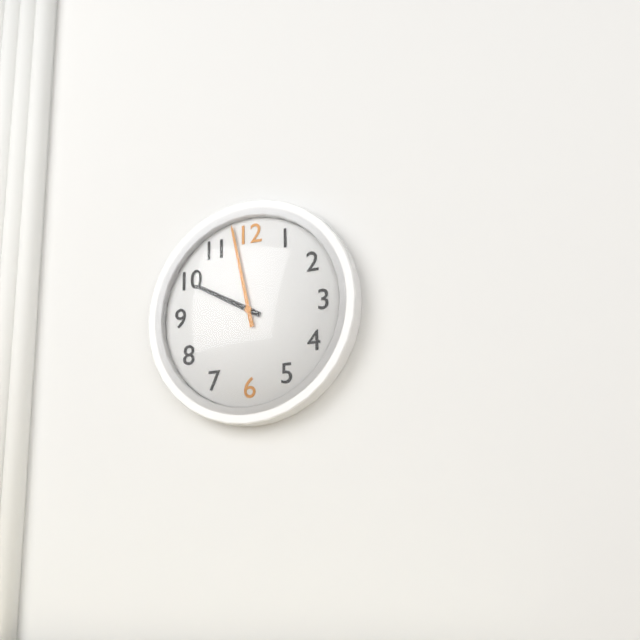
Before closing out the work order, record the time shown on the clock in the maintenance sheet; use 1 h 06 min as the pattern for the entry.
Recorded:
9 h 58 min
